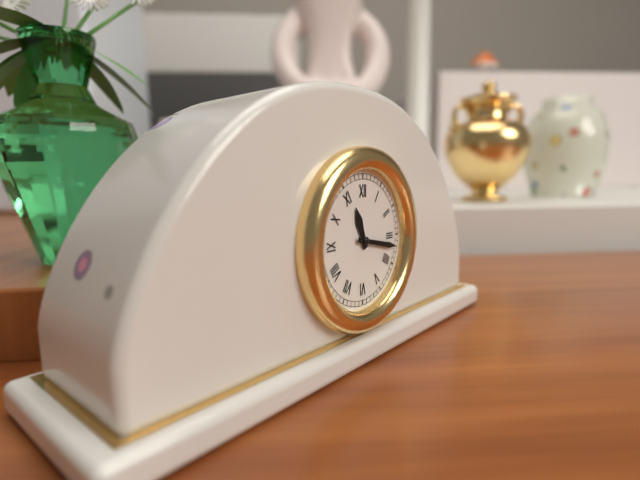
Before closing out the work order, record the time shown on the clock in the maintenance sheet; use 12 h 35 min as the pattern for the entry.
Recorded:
11 h 17 min
